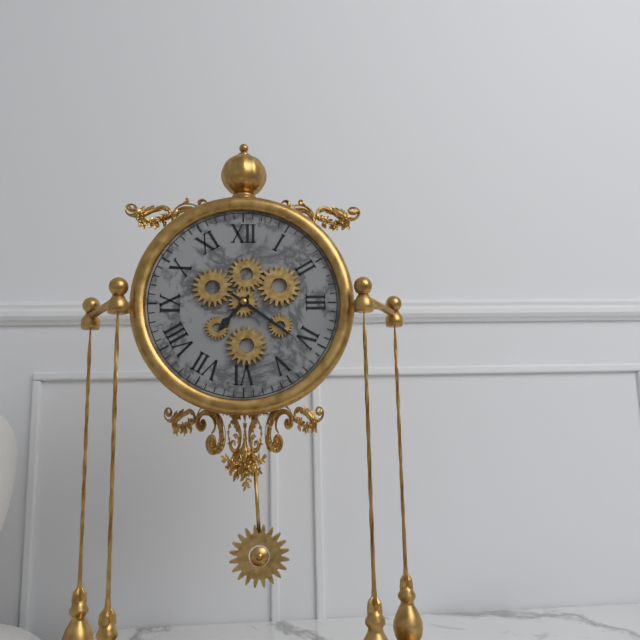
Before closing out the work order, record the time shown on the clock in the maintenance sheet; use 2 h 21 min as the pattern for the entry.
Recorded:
7 h 21 min
